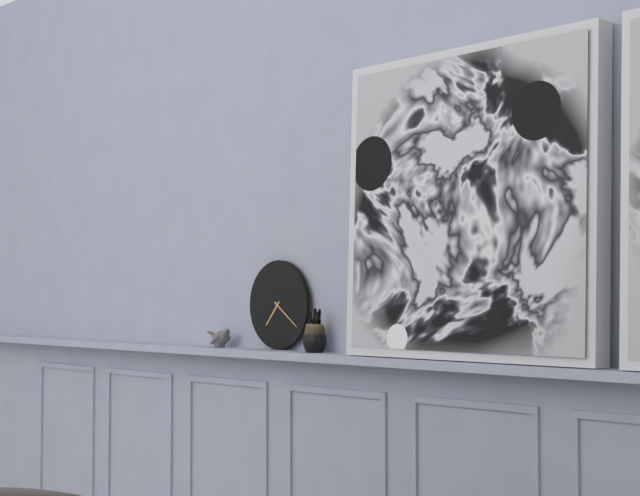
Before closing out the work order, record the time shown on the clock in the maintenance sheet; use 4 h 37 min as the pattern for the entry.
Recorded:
7 h 21 min
